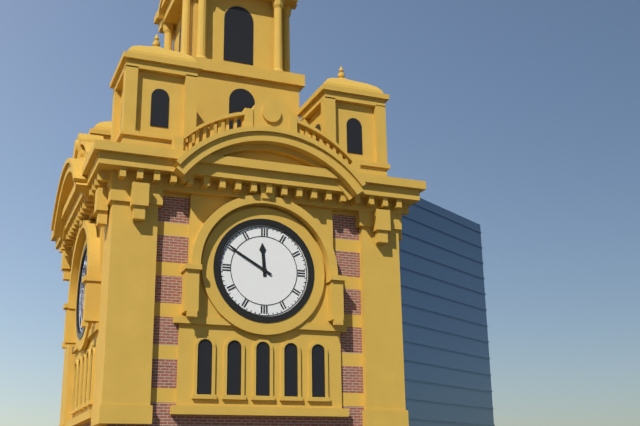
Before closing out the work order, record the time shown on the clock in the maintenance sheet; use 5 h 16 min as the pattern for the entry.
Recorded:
11 h 50 min
